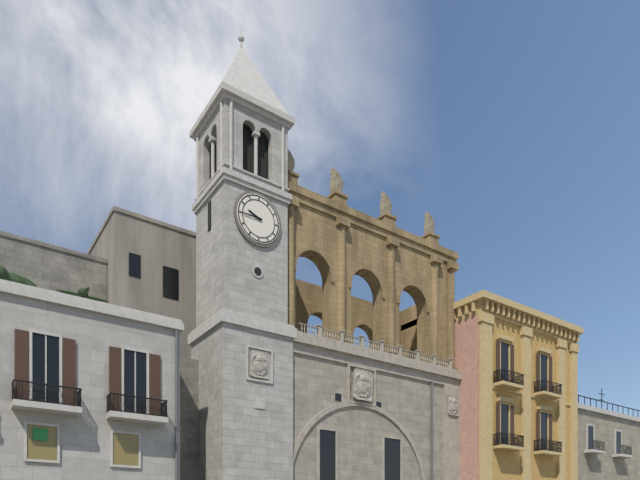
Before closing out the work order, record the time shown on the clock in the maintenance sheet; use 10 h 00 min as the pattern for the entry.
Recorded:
9 h 45 min
